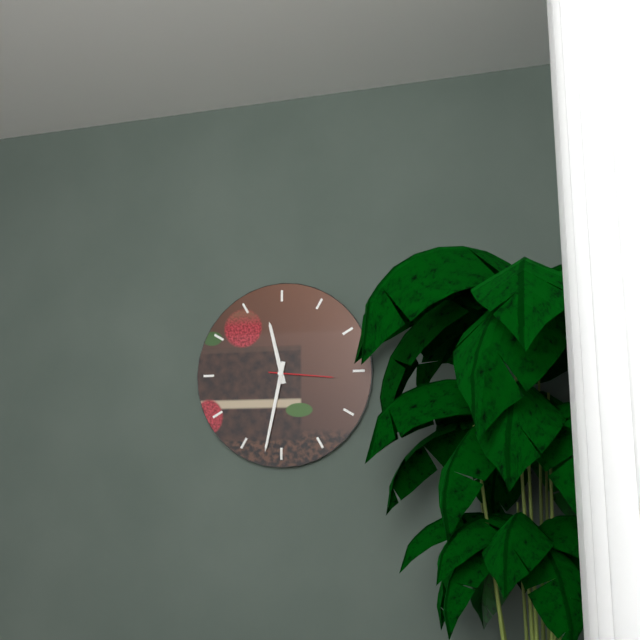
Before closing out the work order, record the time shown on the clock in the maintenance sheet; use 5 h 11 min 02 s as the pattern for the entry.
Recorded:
11 h 32 min 16 s
